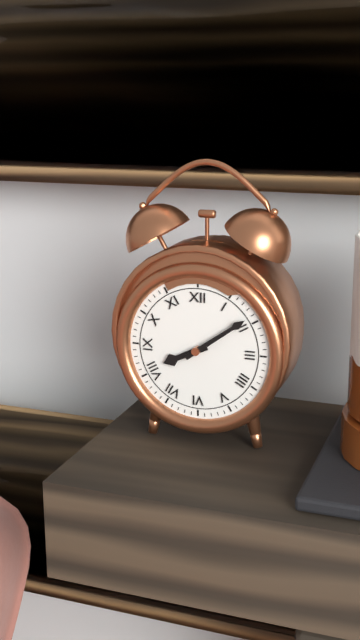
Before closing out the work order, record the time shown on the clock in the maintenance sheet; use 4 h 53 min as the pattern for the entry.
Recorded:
8 h 09 min
